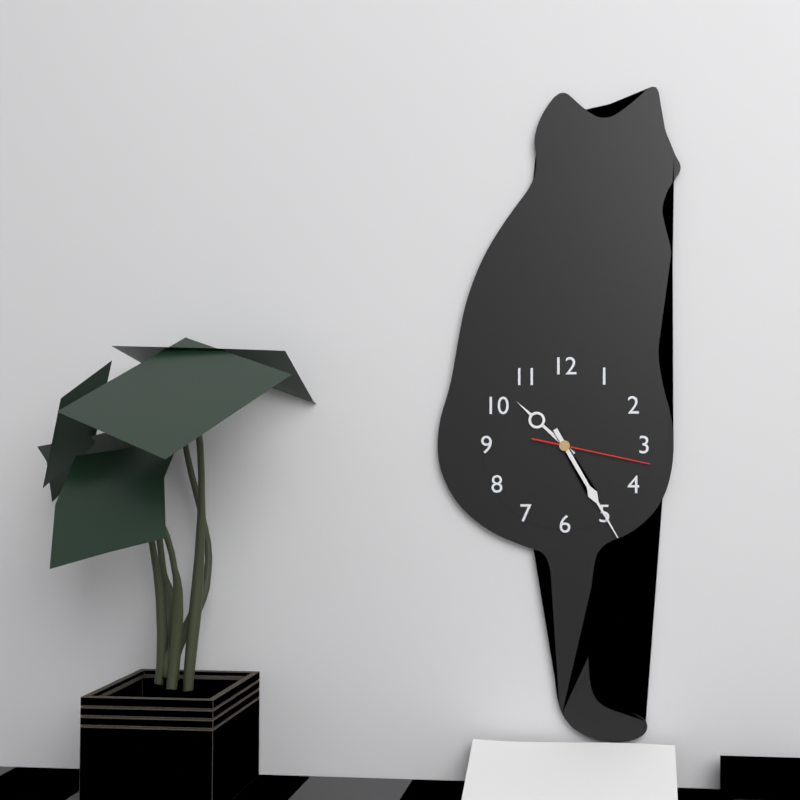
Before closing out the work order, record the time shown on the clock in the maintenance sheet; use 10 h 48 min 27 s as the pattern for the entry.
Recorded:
10 h 25 min 17 s
